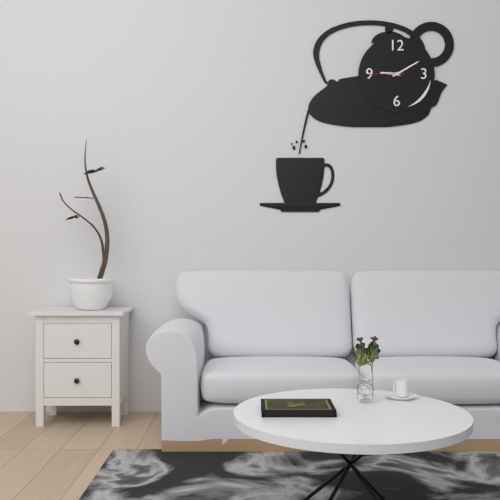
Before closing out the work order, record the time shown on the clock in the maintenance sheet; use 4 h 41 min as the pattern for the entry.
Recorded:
9 h 10 min
